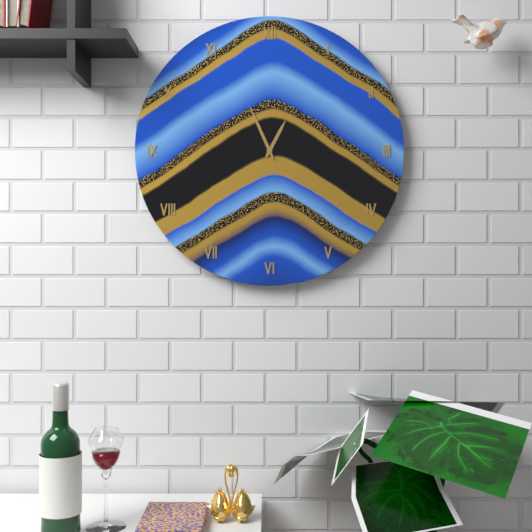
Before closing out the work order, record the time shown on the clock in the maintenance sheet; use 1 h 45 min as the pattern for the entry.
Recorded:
12 h 56 min
